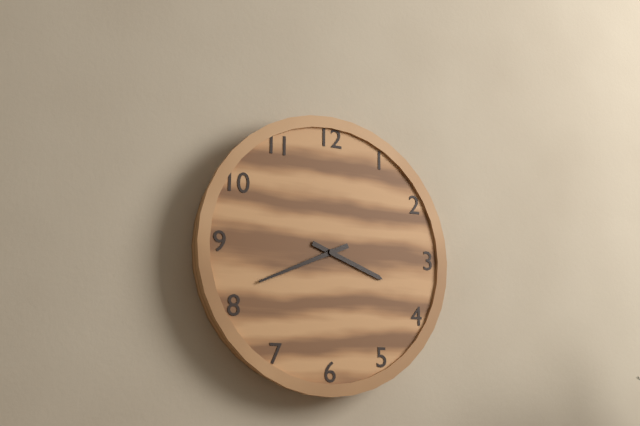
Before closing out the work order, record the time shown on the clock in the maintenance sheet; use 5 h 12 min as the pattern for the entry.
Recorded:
3 h 41 min
